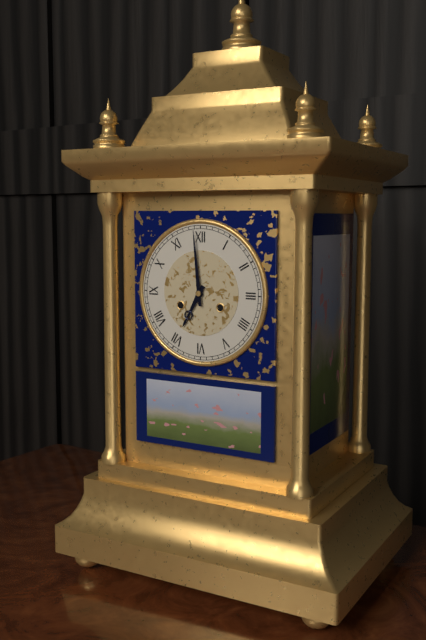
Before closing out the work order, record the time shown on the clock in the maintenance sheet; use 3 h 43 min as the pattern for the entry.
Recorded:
6 h 59 min
